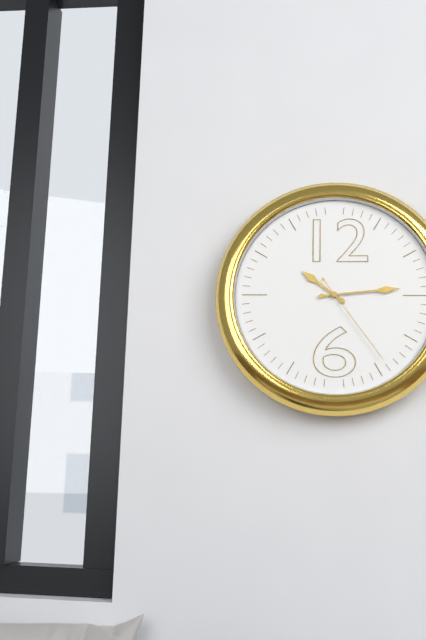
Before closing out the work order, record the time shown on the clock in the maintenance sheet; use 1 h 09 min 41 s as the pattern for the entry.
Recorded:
10 h 14 min 24 s
